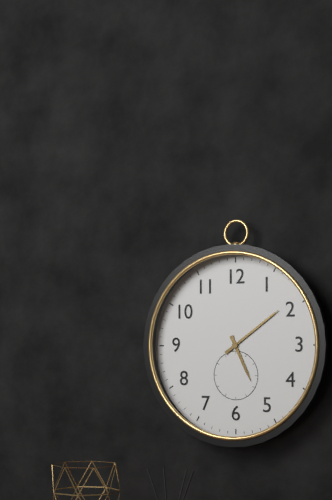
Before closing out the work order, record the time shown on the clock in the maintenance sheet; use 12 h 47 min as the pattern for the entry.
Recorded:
5 h 09 min
